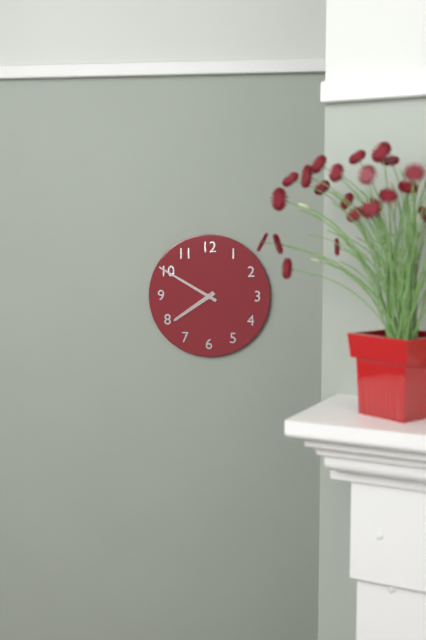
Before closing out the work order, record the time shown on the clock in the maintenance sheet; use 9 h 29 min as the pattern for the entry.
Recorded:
7 h 50 min
